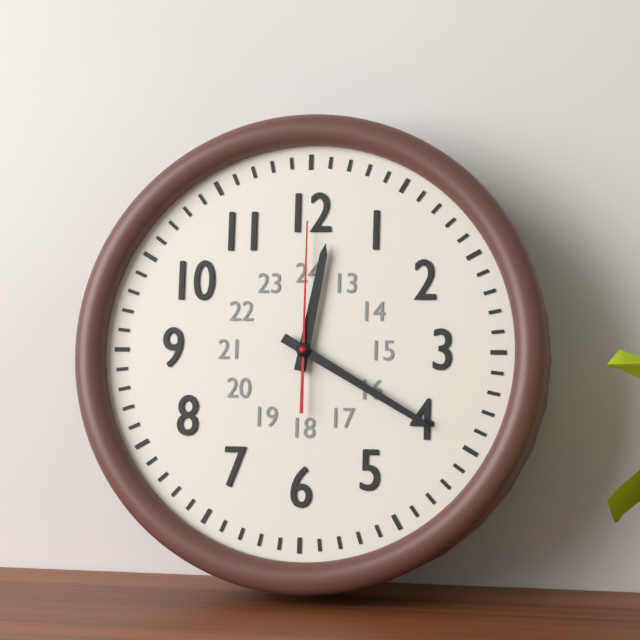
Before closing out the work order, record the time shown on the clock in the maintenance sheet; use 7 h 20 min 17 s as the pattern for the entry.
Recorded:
12 h 20 min 00 s
